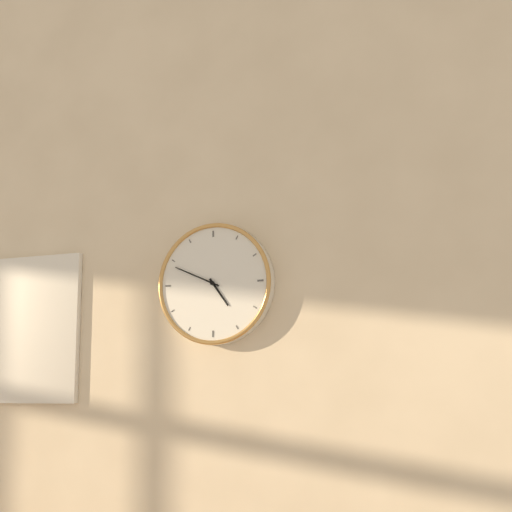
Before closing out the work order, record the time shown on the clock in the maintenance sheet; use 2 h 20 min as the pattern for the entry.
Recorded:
4 h 49 min
